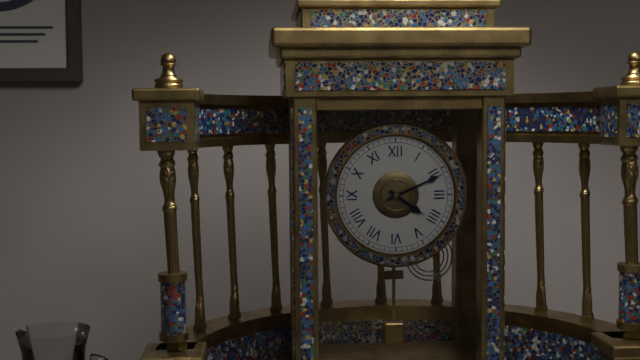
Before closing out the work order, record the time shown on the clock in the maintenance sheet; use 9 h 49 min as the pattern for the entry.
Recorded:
4 h 11 min
